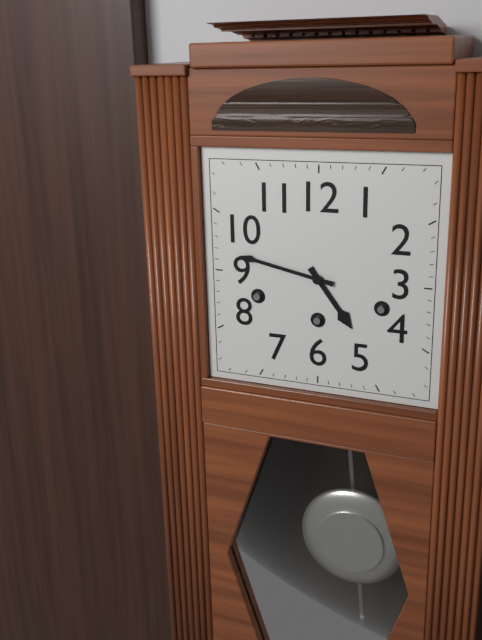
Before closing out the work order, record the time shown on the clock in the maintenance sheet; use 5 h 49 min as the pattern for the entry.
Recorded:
4 h 47 min
